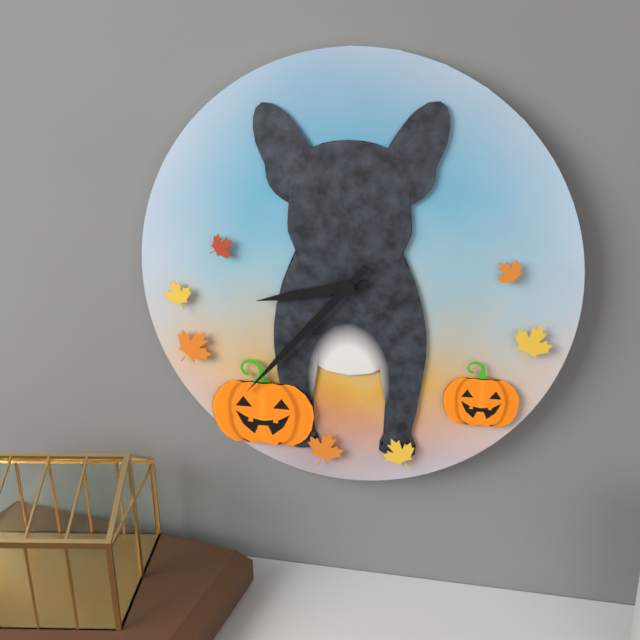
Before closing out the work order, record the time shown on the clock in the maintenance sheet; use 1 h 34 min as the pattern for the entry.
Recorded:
8 h 37 min
